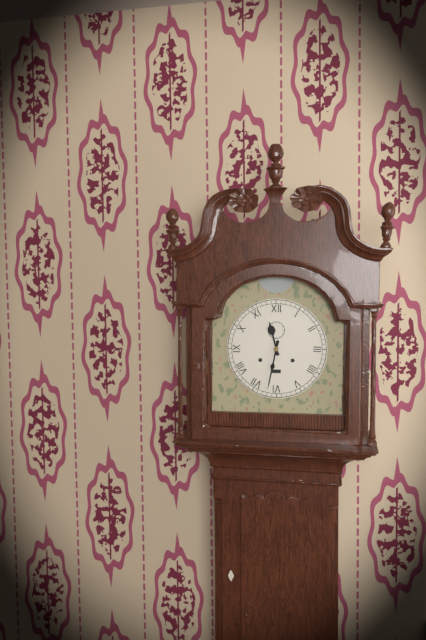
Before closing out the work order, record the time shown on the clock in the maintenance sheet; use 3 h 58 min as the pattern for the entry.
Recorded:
11 h 32 min
